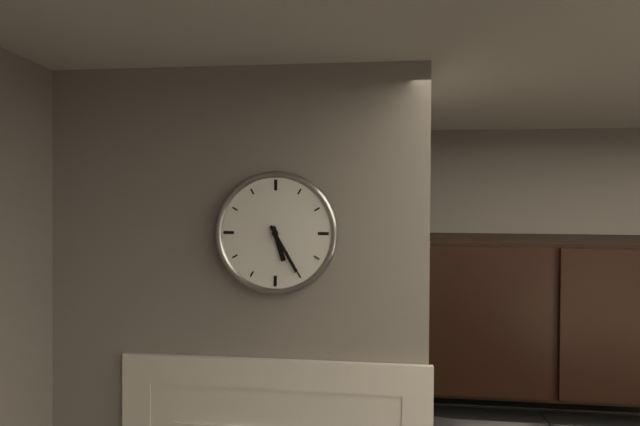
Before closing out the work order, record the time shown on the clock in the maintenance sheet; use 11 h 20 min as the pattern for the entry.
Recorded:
5 h 25 min
